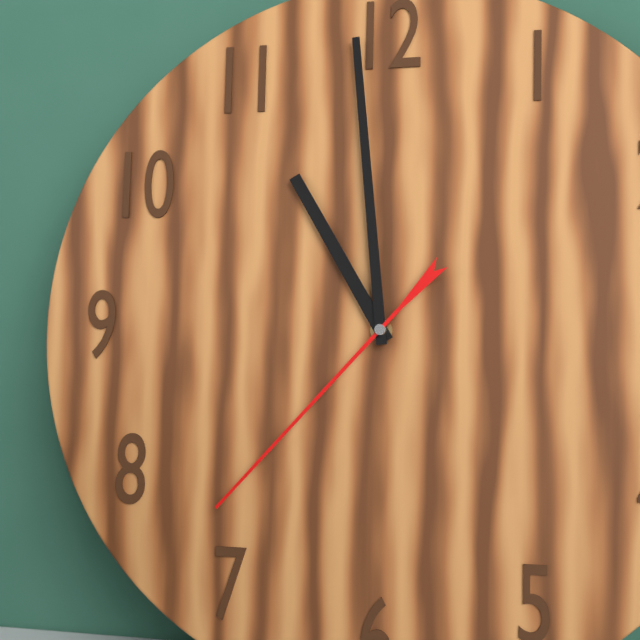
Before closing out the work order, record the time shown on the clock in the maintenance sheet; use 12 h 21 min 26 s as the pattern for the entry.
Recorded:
10 h 59 min 37 s
